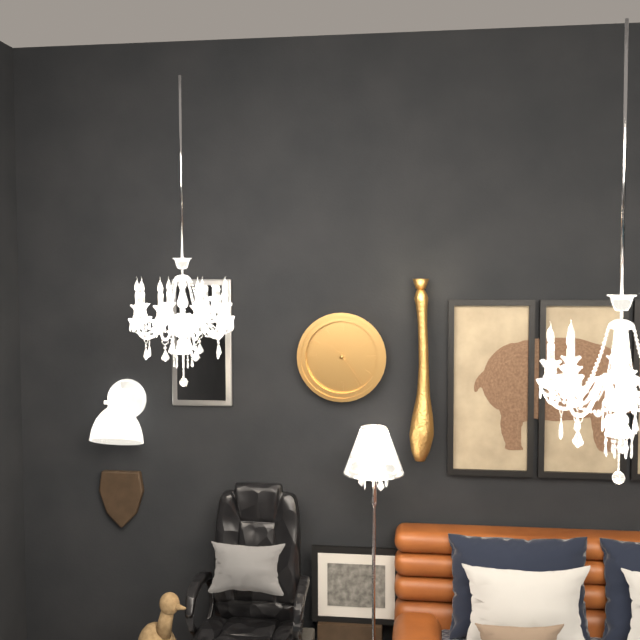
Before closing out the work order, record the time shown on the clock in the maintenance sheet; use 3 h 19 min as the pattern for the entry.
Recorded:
10 h 24 min
